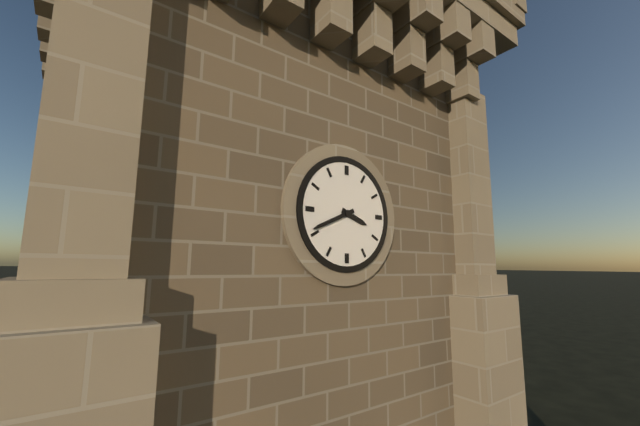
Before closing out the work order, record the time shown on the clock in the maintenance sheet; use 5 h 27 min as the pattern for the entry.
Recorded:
3 h 41 min
